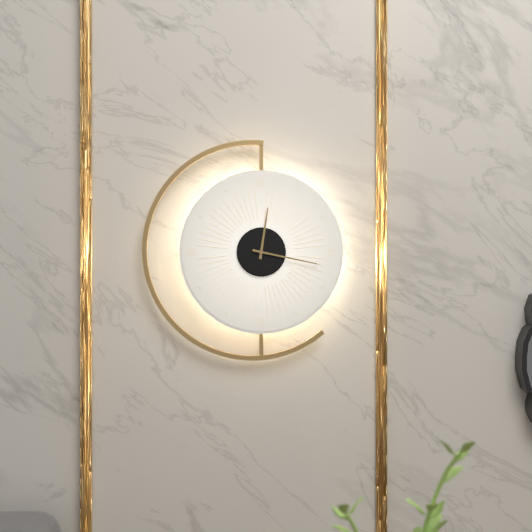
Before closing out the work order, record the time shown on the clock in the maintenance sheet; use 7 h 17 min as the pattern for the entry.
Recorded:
12 h 17 min
